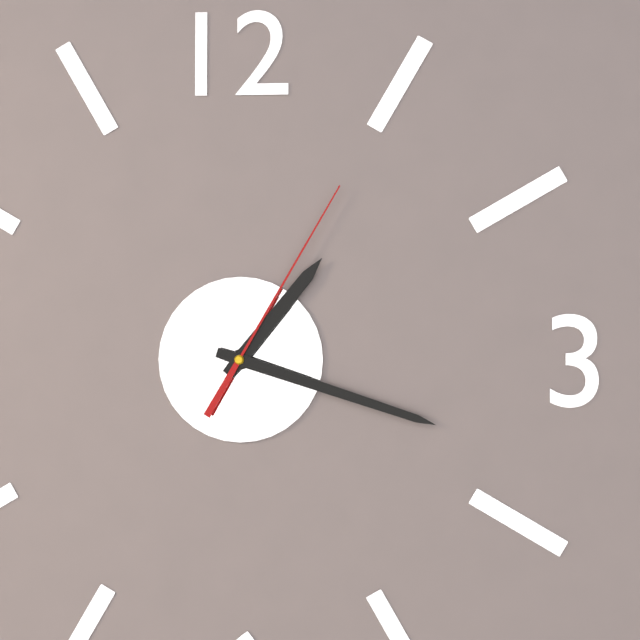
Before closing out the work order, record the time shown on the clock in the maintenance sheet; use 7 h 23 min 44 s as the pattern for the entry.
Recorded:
1 h 18 min 05 s
